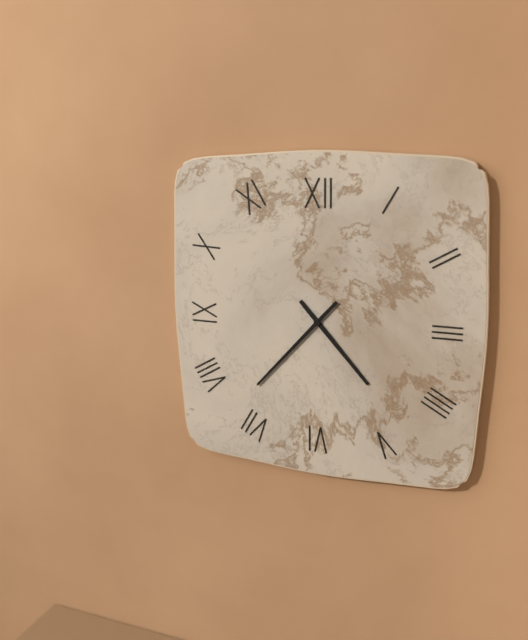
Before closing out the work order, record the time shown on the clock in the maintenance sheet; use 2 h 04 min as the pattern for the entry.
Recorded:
4 h 37 min
